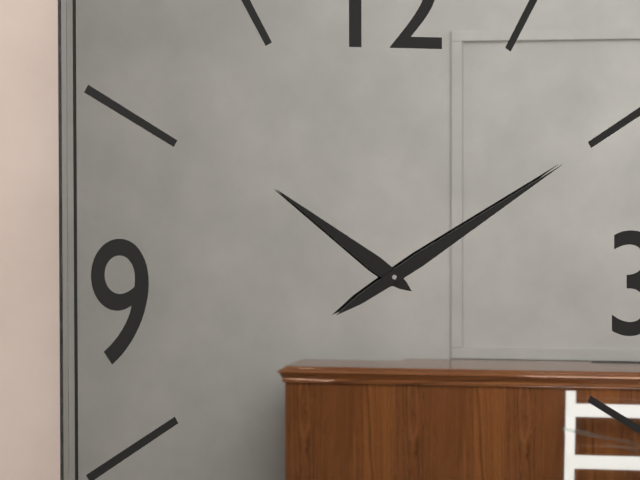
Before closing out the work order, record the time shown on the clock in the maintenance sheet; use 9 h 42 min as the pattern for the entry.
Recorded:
10 h 10 min
